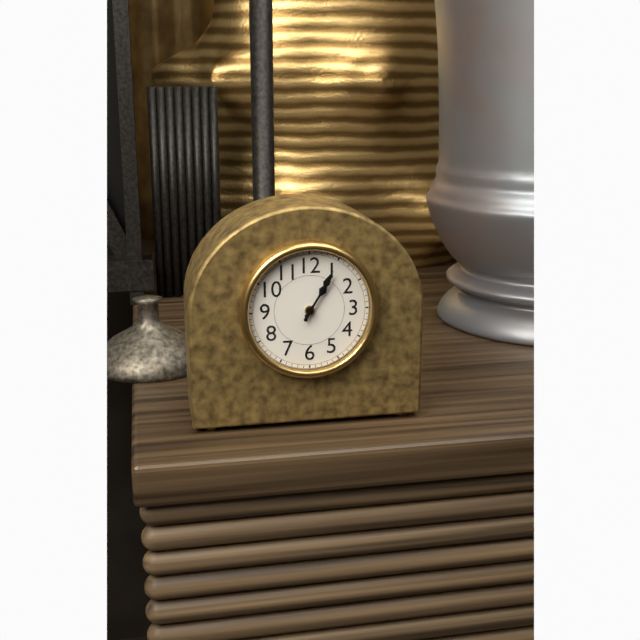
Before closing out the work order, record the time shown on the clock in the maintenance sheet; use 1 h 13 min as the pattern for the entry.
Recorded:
1 h 05 min
